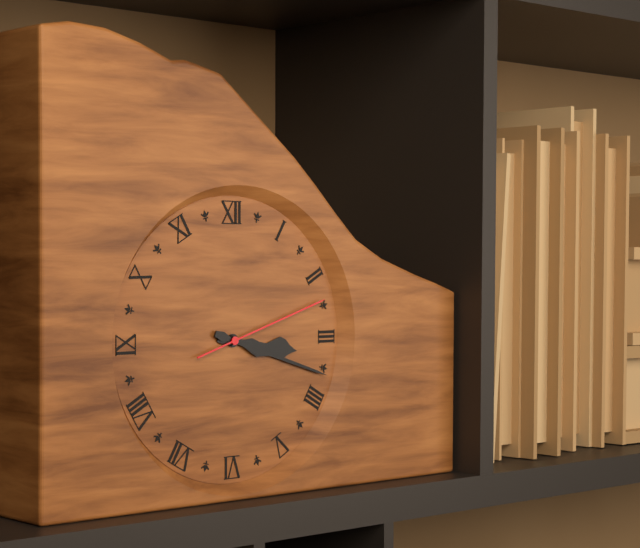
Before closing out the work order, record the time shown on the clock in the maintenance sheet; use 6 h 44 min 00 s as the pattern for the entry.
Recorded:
3 h 18 min 12 s
